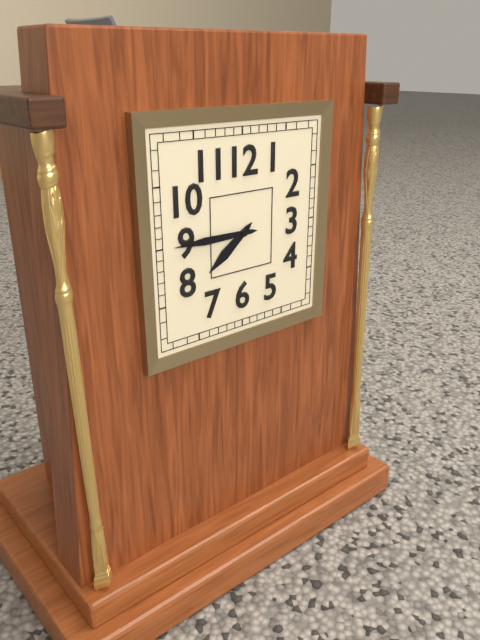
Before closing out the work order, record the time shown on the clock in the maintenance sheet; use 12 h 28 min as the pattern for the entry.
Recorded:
7 h 45 min
